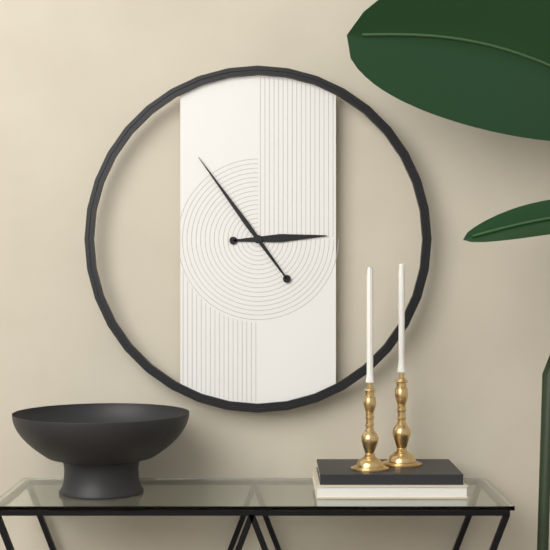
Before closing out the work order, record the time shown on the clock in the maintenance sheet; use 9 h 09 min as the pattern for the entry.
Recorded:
2 h 54 min
